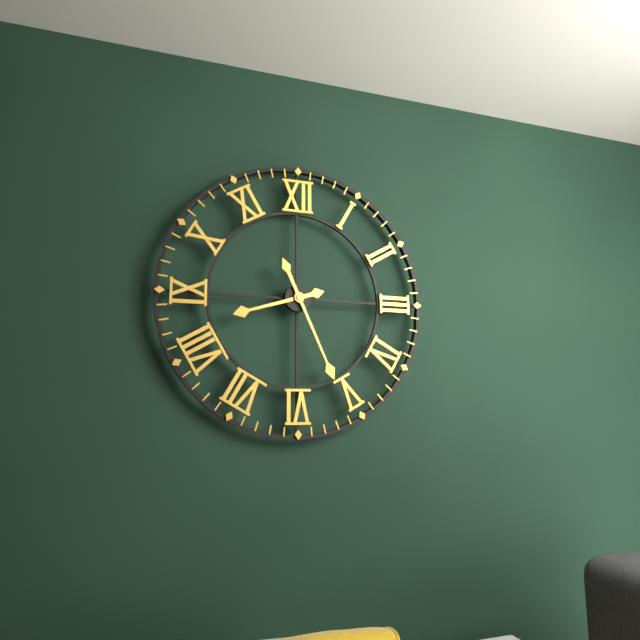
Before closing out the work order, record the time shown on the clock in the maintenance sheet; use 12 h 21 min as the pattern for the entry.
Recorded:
8 h 26 min
